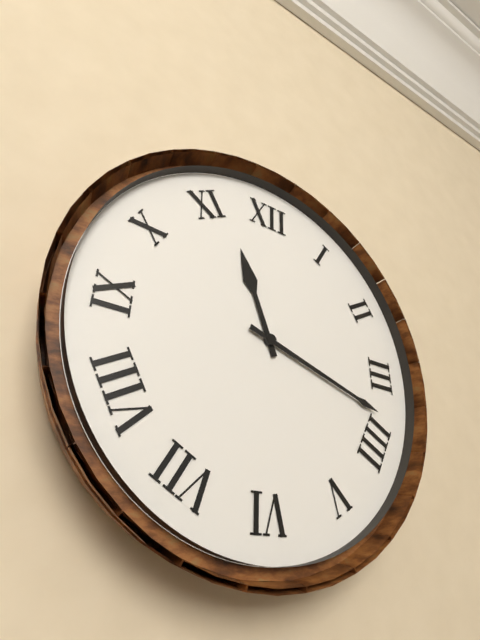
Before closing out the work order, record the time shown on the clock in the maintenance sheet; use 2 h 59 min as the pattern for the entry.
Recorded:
11 h 18 min
